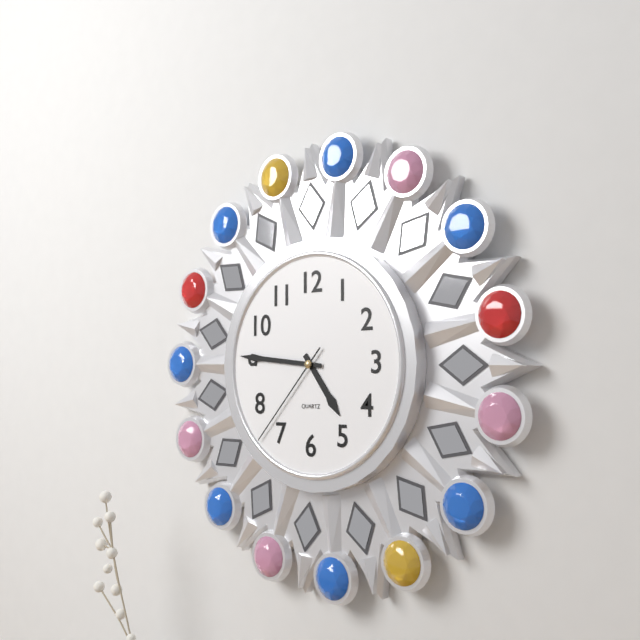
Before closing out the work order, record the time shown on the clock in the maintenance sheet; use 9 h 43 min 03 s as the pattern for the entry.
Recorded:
4 h 46 min 37 s
